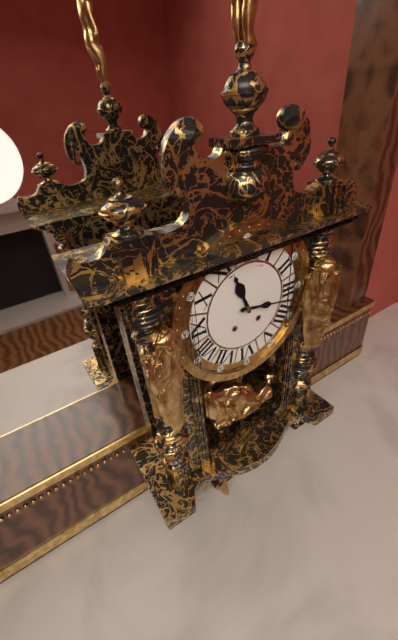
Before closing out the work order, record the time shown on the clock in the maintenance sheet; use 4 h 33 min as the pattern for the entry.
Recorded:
11 h 17 min
